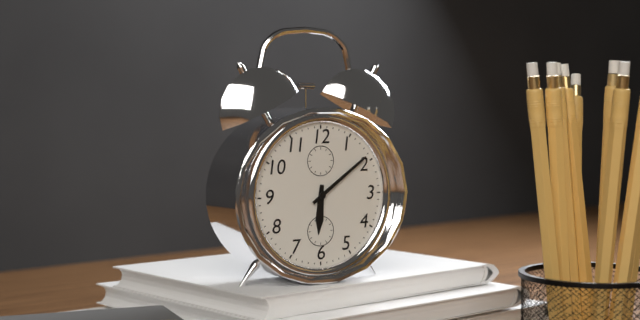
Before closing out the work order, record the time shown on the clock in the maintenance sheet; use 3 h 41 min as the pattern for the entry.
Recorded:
6 h 09 min
